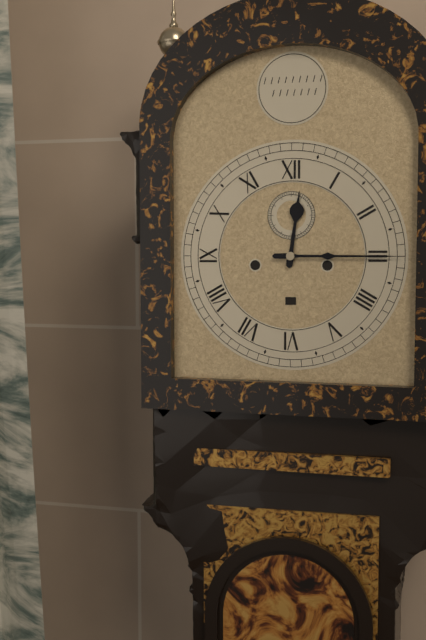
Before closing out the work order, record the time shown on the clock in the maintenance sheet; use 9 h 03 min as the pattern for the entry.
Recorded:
12 h 15 min
